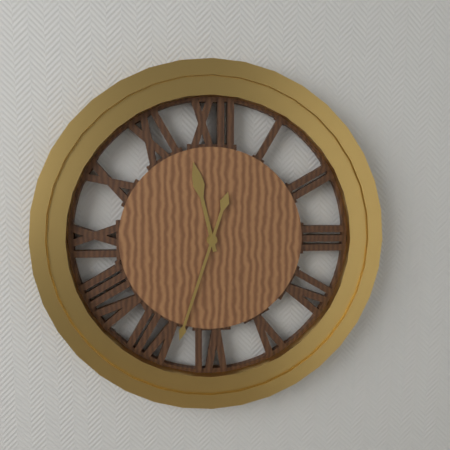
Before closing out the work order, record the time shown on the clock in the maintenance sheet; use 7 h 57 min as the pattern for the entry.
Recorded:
11 h 33 min
